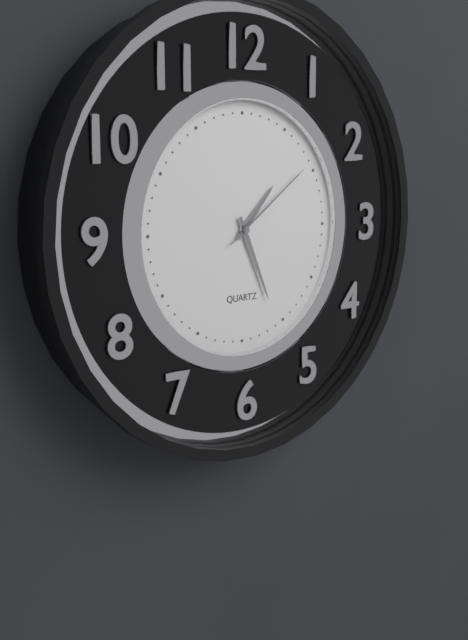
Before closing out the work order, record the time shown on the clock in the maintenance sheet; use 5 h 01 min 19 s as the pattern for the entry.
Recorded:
1 h 26 min 09 s
